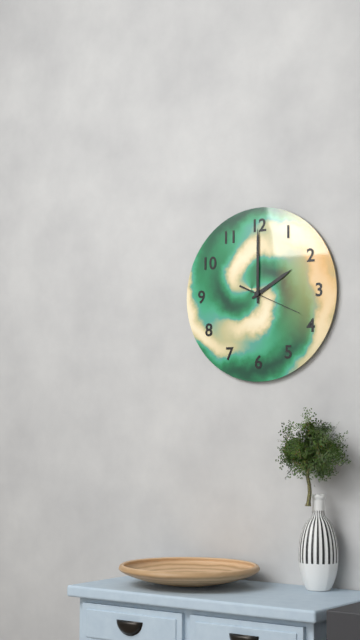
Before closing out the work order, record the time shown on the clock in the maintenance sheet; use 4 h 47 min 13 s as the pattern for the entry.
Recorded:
2 h 00 min 19 s
